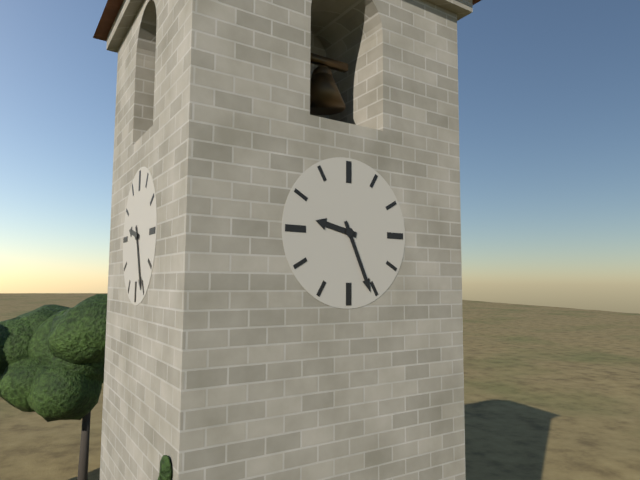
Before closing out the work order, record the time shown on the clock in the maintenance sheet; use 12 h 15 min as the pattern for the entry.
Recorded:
9 h 26 min
